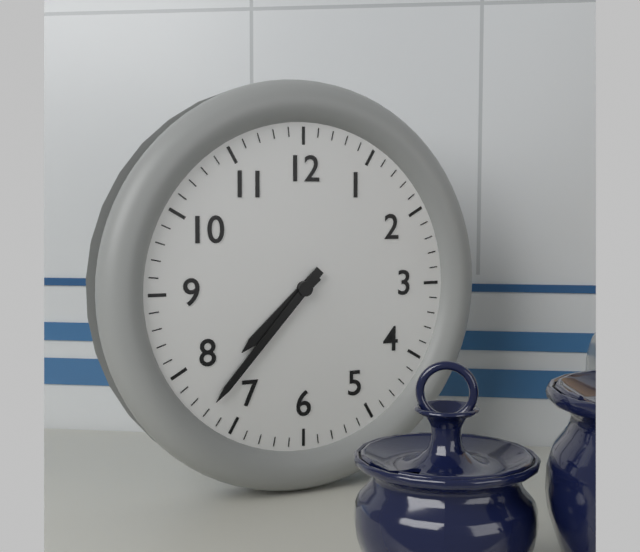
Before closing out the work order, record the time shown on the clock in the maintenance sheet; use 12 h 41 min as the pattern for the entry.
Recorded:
7 h 37 min
